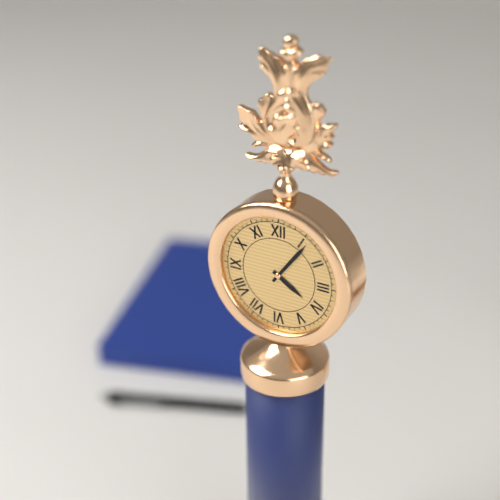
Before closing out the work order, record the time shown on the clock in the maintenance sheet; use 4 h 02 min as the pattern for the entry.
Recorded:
4 h 06 min
